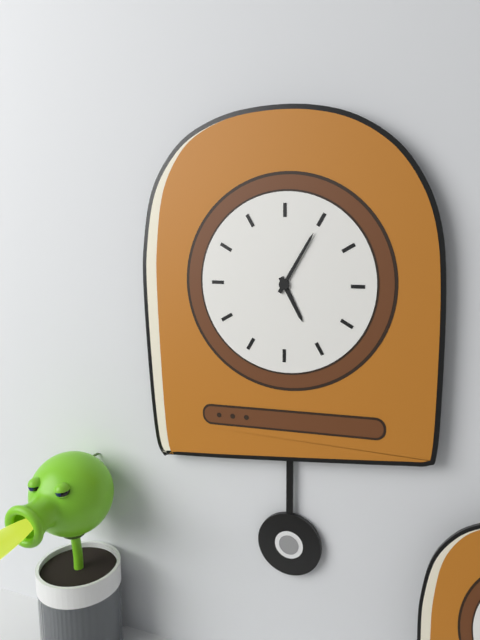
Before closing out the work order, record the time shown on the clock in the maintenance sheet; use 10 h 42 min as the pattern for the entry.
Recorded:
5 h 05 min
